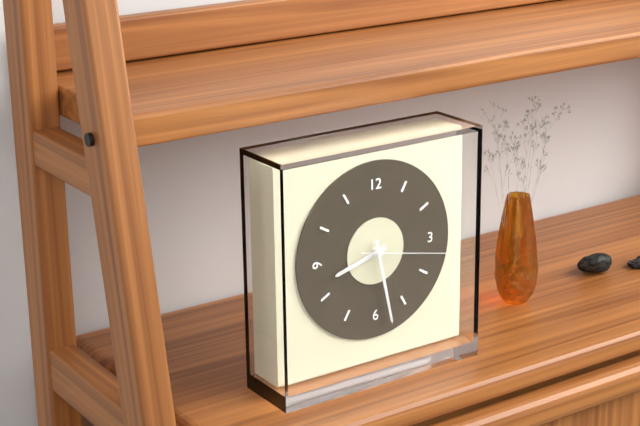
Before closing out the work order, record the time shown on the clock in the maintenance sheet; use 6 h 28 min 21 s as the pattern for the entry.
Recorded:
8 h 28 min 17 s
